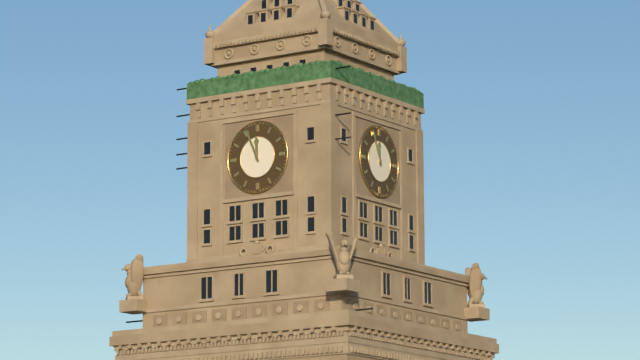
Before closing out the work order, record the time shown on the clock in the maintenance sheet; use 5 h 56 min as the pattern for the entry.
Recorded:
11 h 56 min
